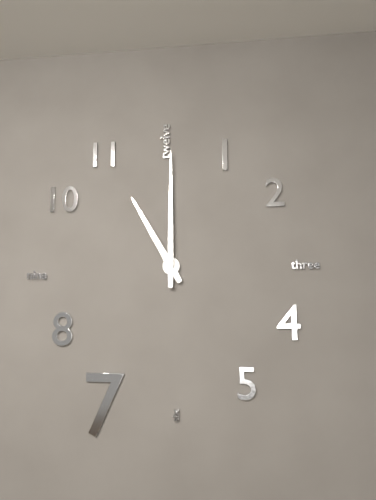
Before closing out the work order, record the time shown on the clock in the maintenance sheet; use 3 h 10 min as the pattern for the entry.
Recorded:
11 h 00 min
